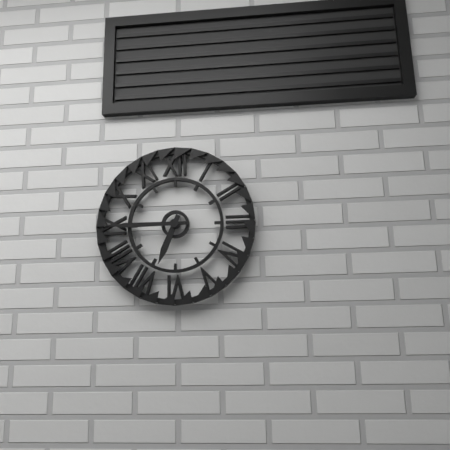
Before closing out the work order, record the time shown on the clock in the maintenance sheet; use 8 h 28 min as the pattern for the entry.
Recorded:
6 h 45 min
